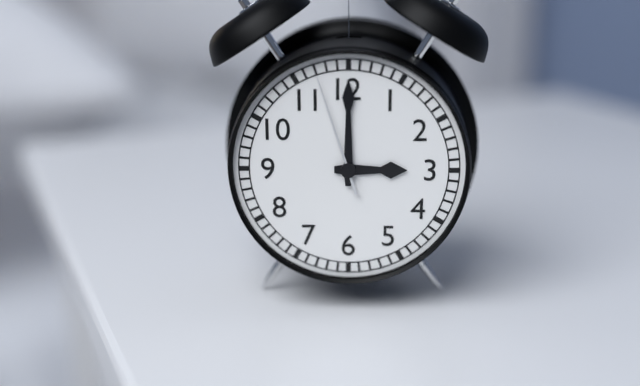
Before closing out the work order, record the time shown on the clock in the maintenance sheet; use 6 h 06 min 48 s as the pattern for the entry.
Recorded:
3 h 00 min 57 s
